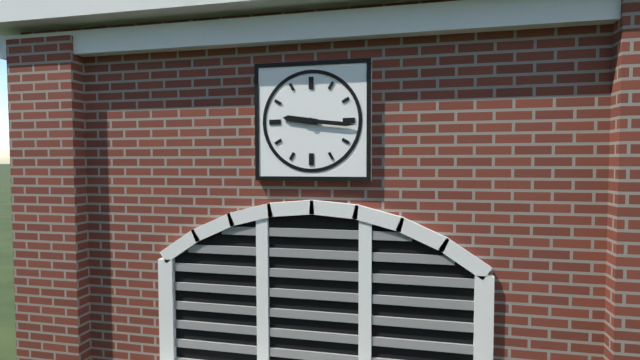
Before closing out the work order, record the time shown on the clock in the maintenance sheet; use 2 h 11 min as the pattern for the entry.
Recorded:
9 h 16 min
